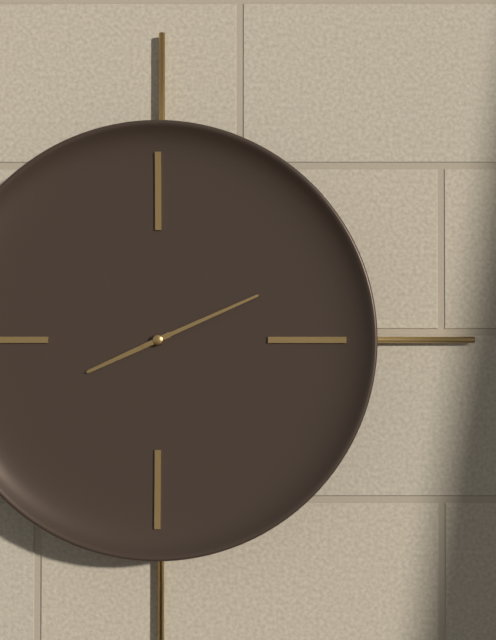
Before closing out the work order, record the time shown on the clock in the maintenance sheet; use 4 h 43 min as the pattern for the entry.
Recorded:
8 h 11 min
